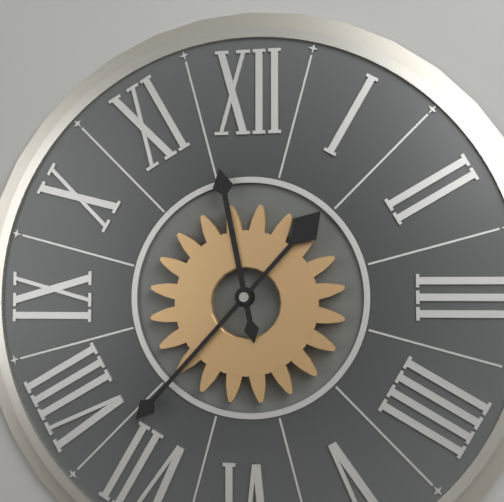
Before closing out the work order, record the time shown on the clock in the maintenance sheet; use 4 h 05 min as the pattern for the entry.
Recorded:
11 h 37 min
